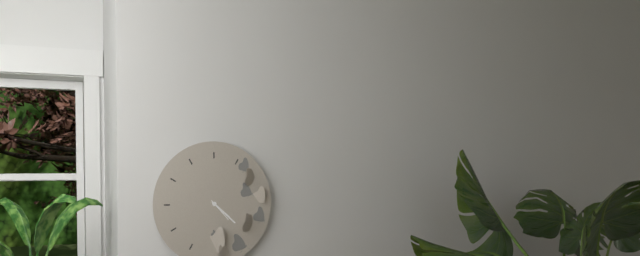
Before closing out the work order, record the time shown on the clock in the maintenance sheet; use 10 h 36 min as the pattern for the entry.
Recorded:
4 h 22 min
